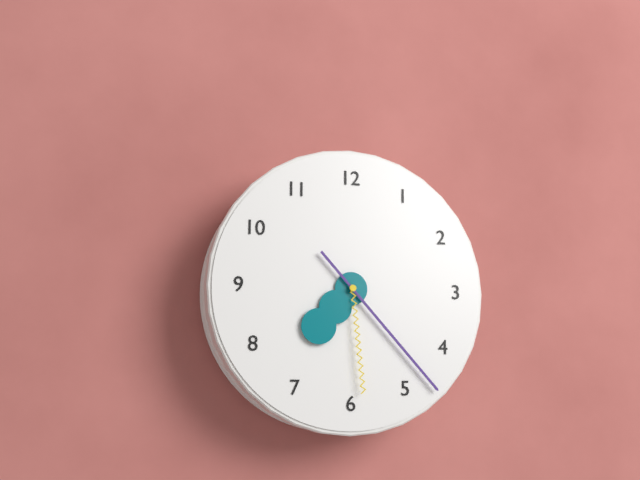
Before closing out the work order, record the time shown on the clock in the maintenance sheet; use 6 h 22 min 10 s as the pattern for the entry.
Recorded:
7 h 23 min 29 s
